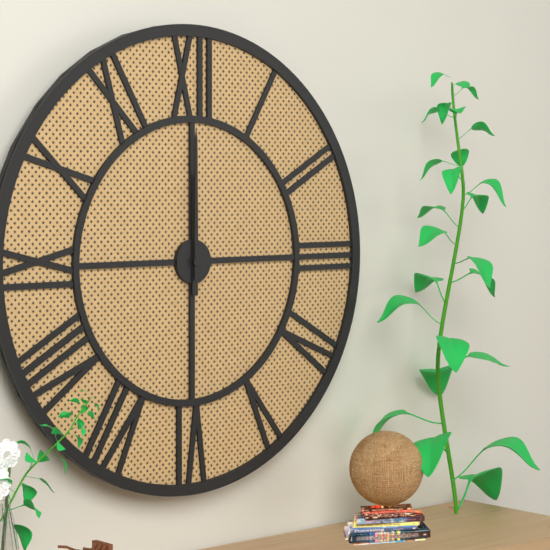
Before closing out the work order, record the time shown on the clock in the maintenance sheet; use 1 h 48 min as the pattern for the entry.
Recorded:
12 h 00 min
